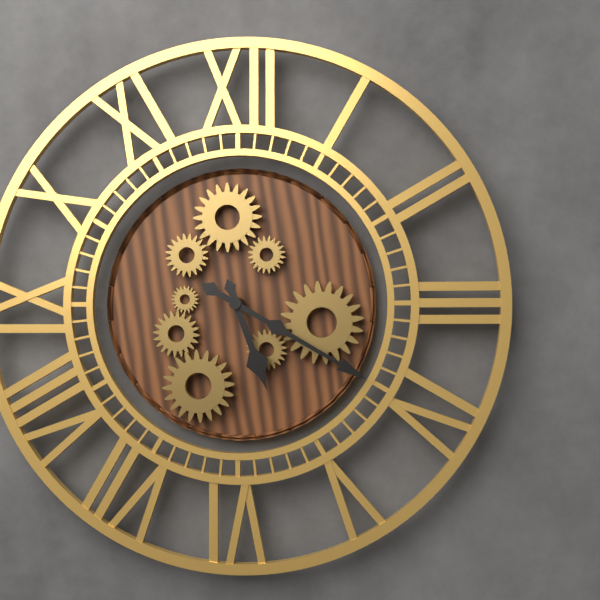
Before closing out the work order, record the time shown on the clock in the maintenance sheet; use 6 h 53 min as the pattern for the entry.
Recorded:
5 h 20 min
